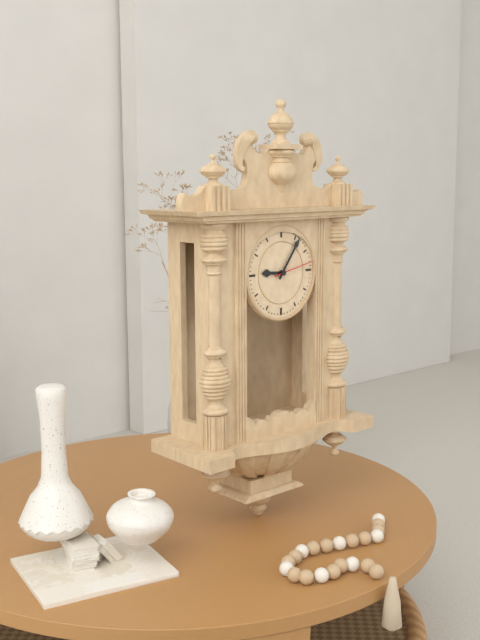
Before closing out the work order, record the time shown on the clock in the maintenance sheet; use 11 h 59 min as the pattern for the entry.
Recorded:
9 h 06 min
